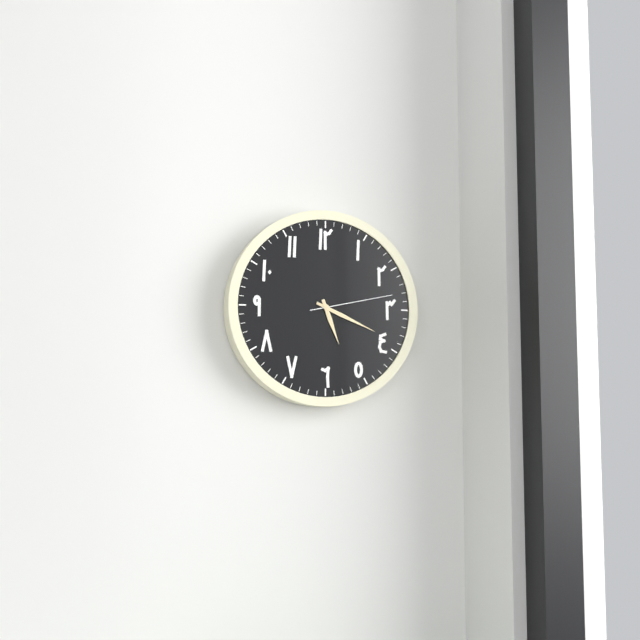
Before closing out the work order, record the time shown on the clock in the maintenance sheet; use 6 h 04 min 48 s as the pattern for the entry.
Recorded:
5 h 19 min 13 s
